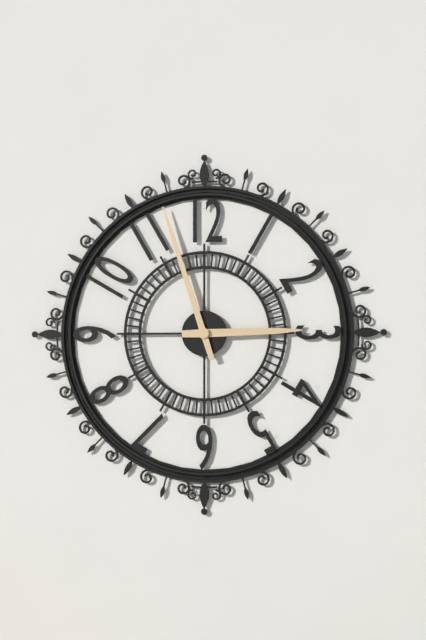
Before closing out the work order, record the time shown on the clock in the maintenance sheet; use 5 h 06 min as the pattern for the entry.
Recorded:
2 h 57 min
